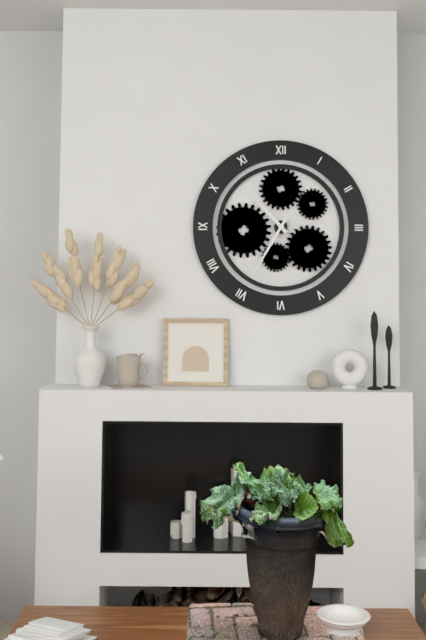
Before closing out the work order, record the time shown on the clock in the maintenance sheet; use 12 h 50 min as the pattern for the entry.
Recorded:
10 h 35 min
